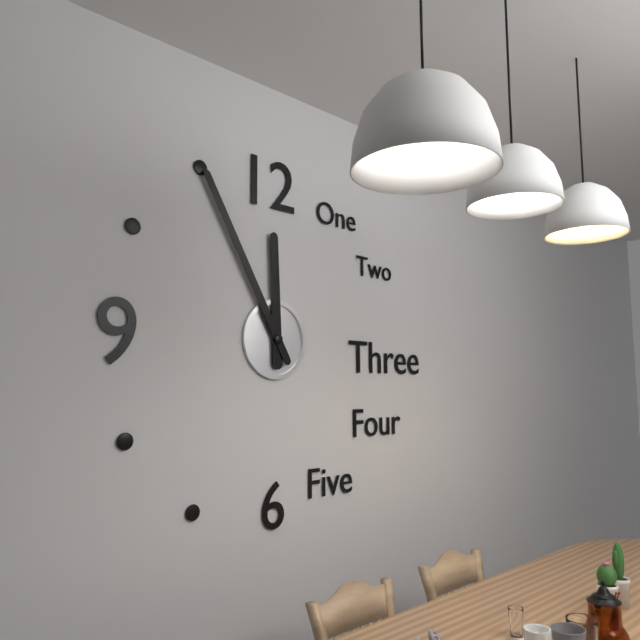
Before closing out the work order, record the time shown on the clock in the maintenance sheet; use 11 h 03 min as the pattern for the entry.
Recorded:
11 h 55 min
